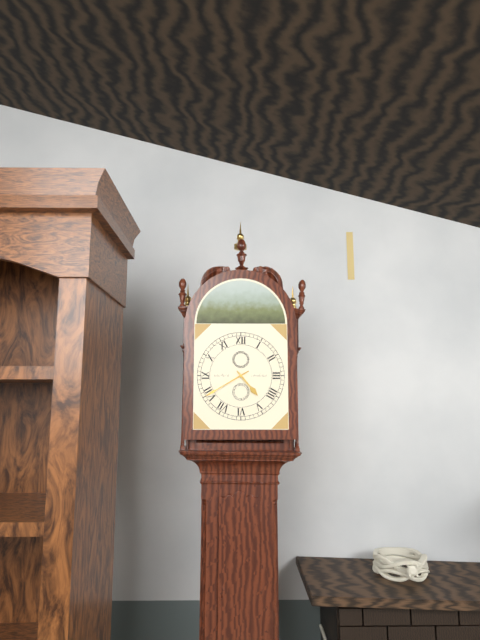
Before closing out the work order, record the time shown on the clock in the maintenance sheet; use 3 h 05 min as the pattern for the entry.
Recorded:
4 h 40 min
